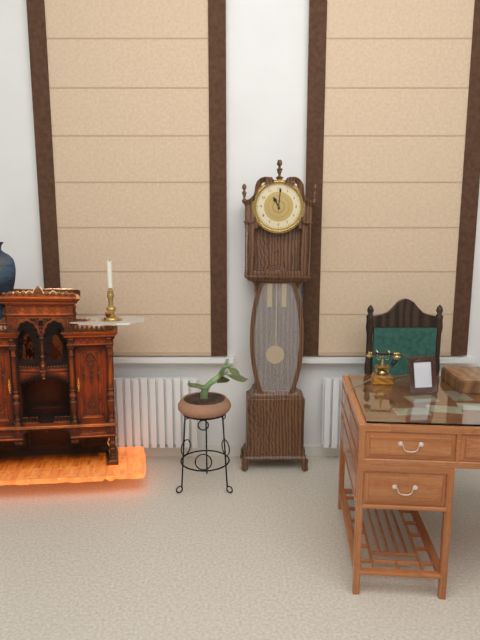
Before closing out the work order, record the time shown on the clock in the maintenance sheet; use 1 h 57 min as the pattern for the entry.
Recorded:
11 h 01 min
